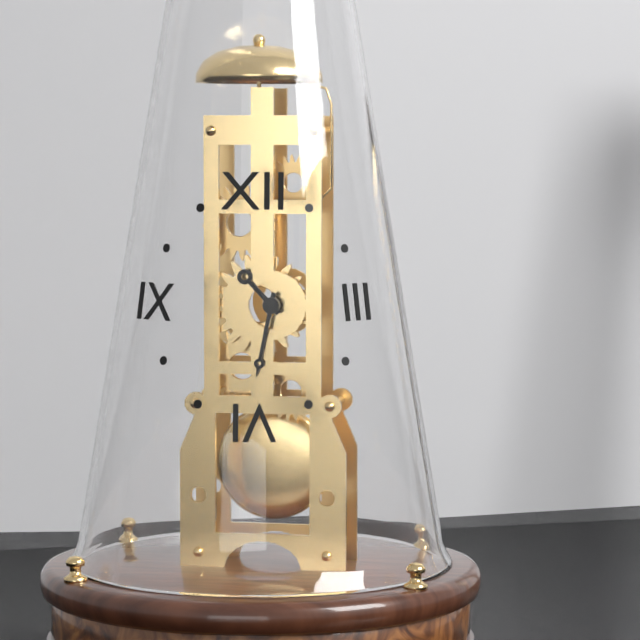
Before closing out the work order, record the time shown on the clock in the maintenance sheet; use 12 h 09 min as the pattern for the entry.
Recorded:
10 h 32 min
